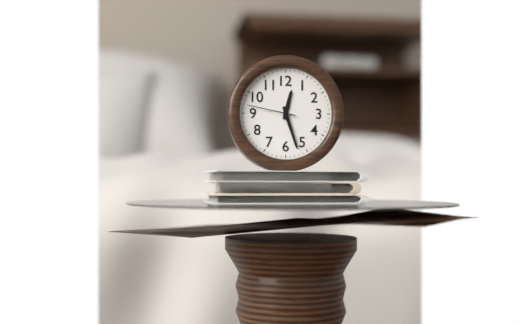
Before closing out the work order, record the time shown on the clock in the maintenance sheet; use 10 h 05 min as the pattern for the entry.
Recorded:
12 h 27 min
